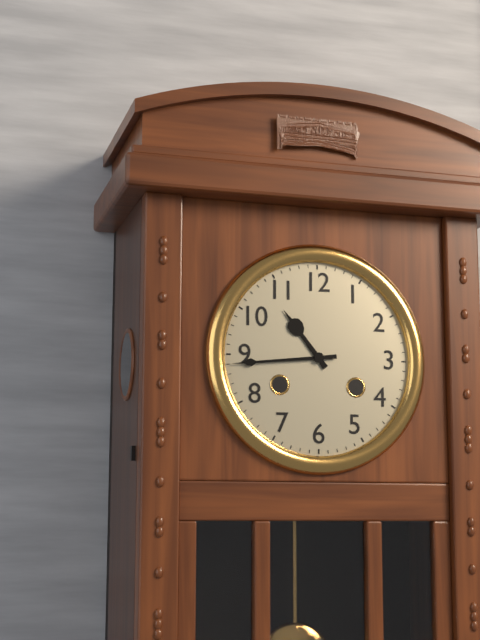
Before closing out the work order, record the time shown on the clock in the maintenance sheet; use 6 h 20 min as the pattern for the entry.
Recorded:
10 h 44 min
